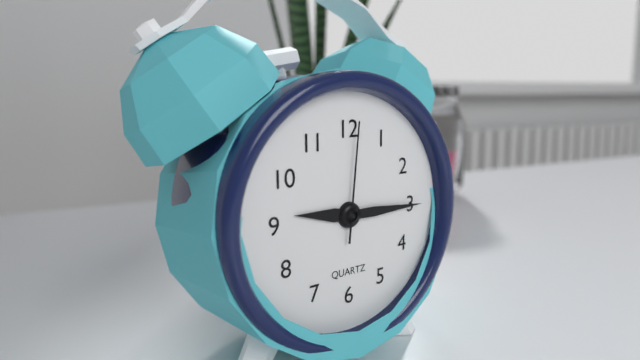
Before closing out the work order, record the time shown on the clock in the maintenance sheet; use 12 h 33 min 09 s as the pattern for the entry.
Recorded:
9 h 15 min 01 s
